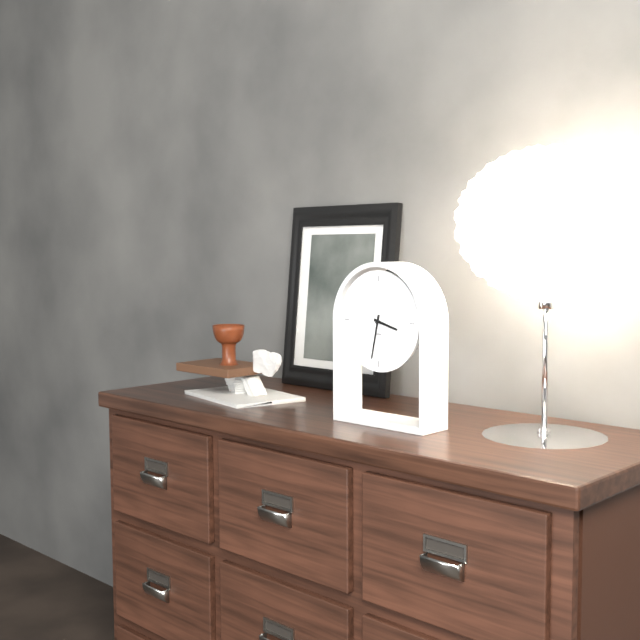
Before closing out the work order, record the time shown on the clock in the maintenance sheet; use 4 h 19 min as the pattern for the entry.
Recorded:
3 h 32 min
